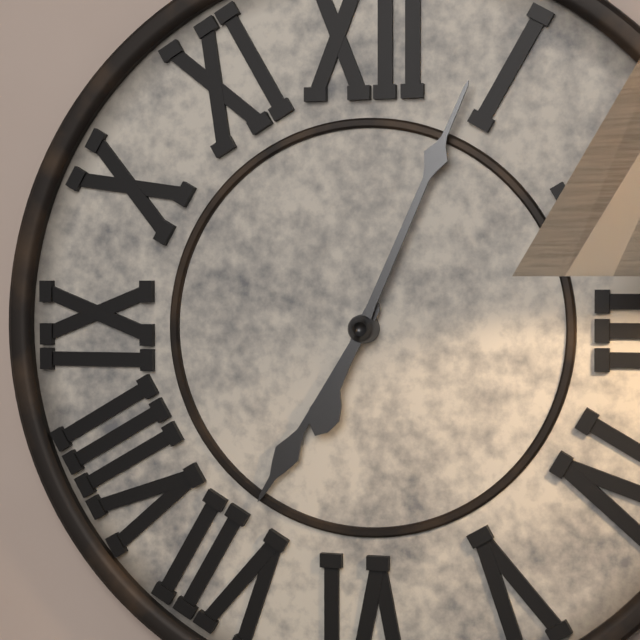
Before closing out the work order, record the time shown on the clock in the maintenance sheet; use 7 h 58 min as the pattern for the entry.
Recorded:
7 h 04 min
